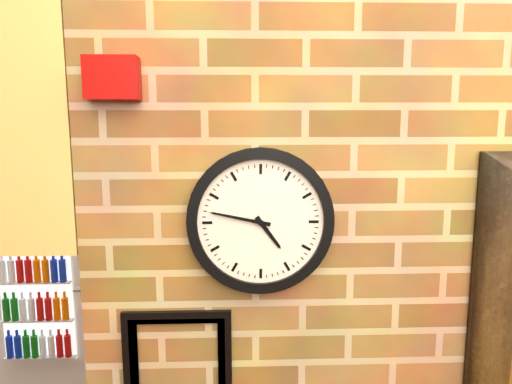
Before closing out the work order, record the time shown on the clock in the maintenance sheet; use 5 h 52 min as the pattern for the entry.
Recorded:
4 h 47 min
